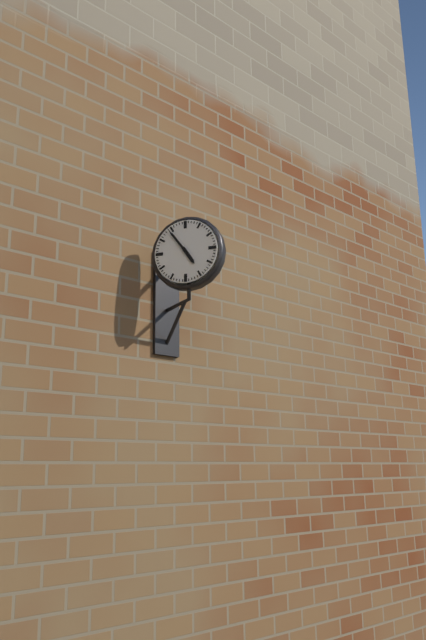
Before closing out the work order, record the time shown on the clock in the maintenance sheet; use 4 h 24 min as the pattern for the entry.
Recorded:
4 h 54 min
